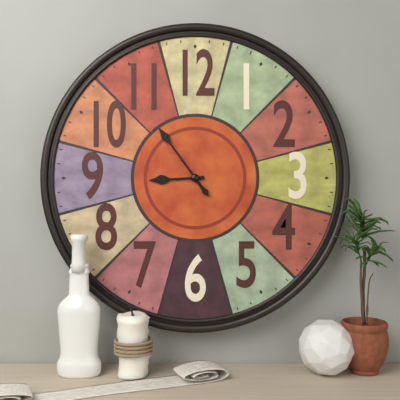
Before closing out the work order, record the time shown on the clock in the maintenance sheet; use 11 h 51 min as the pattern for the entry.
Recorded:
8 h 54 min
